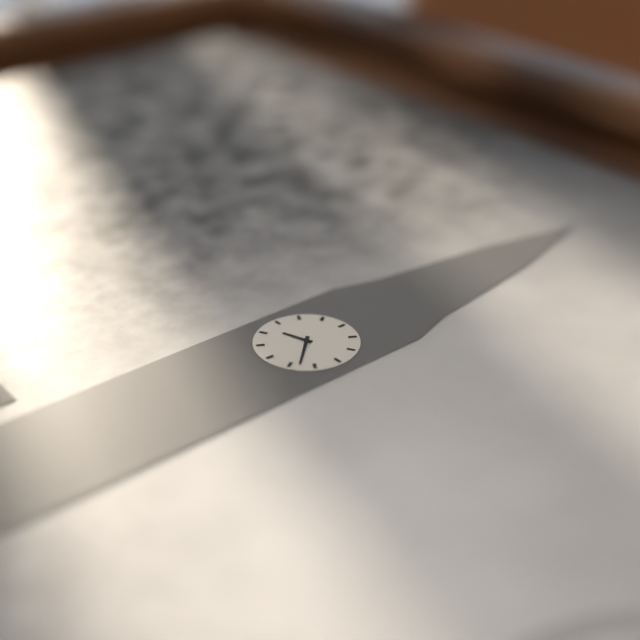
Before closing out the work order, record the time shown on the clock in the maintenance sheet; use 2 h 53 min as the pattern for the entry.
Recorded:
8 h 23 min
